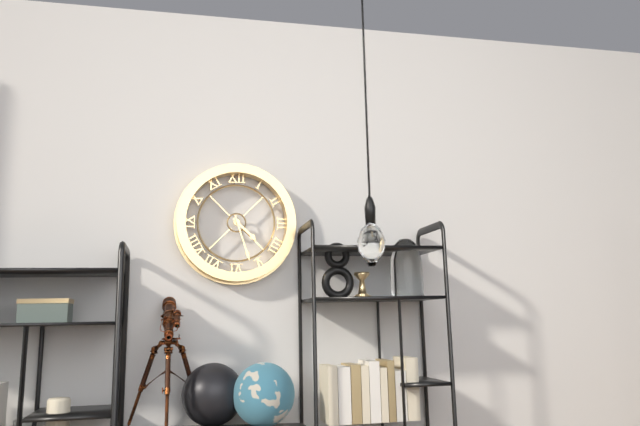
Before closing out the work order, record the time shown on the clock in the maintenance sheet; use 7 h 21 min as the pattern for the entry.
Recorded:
4 h 27 min
